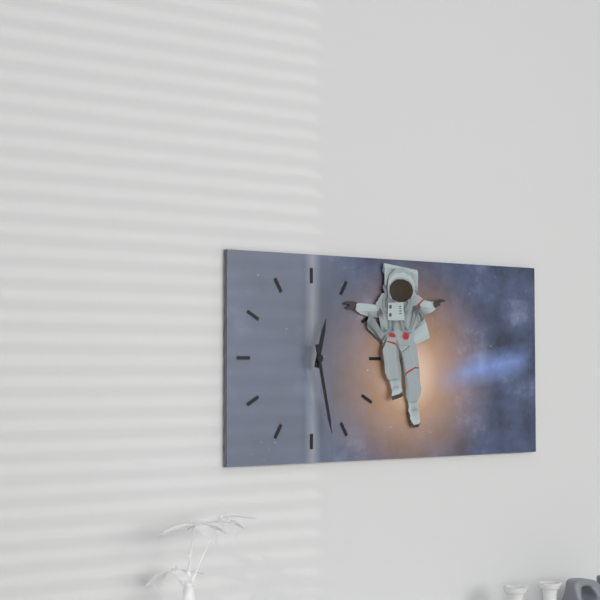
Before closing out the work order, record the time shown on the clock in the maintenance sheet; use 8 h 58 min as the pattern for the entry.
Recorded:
12 h 28 min
